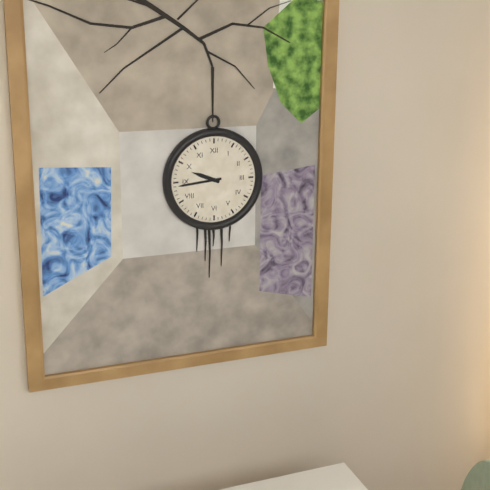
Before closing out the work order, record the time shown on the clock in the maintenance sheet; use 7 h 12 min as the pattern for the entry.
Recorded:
9 h 44 min
